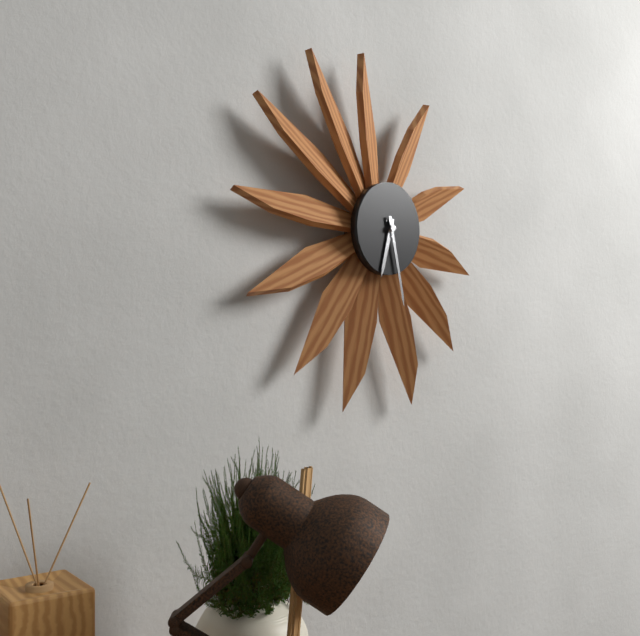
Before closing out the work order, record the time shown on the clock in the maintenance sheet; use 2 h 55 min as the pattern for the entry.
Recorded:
6 h 28 min
